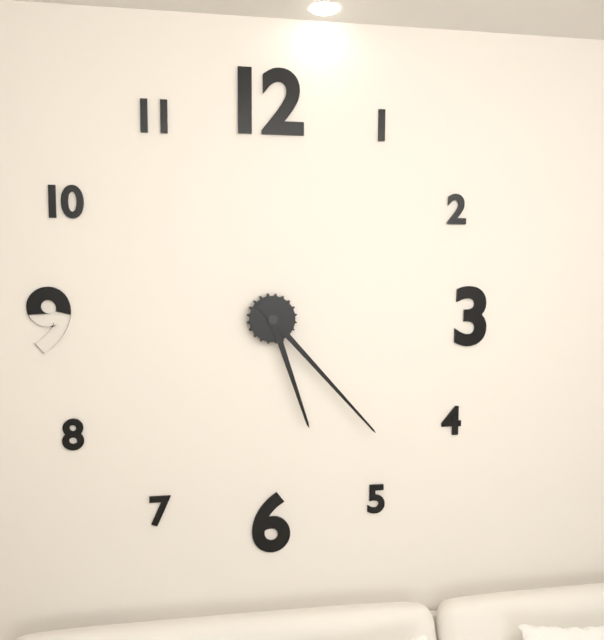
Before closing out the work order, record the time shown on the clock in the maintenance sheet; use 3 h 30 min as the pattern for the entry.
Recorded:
5 h 23 min
